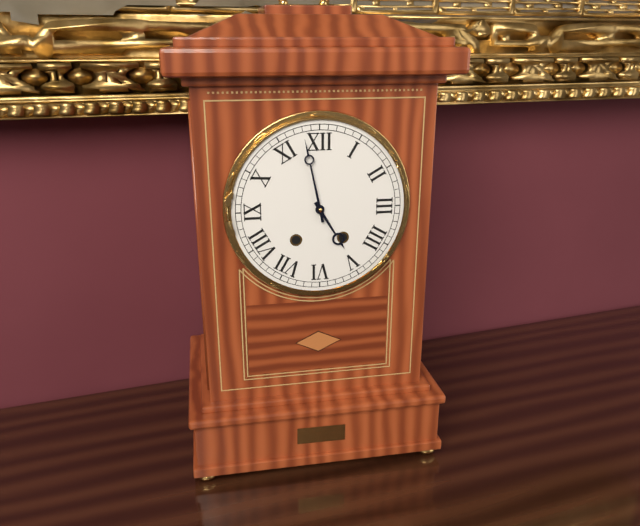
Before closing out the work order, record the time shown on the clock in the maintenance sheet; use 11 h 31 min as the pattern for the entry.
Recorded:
4 h 58 min
